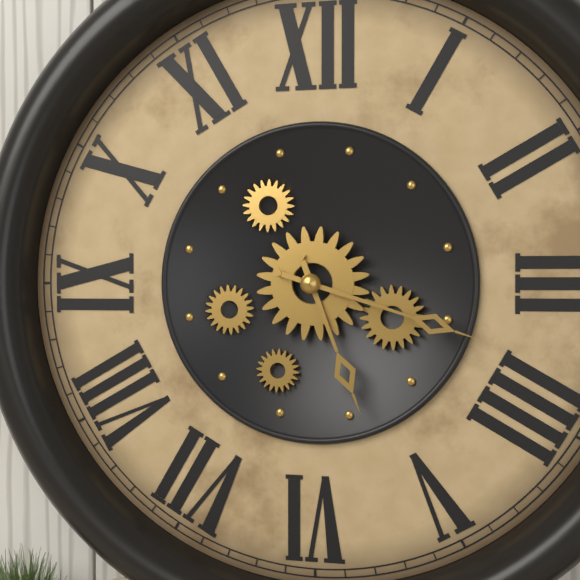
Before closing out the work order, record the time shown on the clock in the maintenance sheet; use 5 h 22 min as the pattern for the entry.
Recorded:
5 h 18 min
